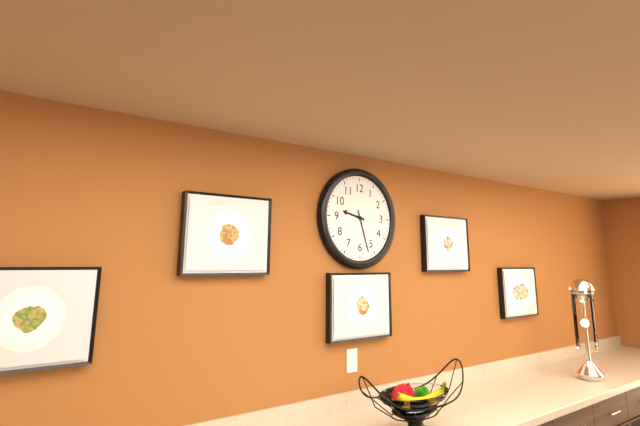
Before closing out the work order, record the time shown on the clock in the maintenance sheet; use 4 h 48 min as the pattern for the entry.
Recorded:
9 h 27 min
